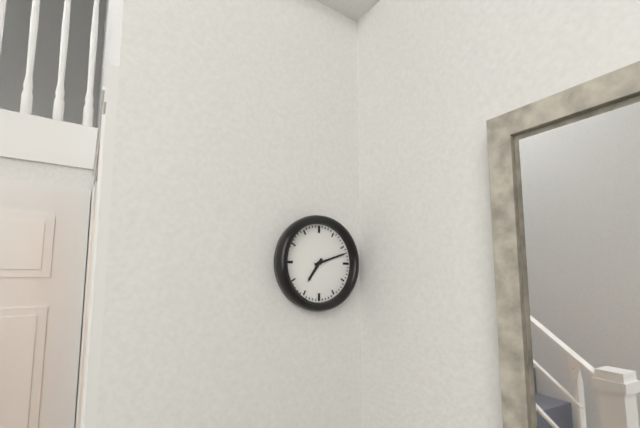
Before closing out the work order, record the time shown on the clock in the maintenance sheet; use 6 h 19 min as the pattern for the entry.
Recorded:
7 h 12 min
